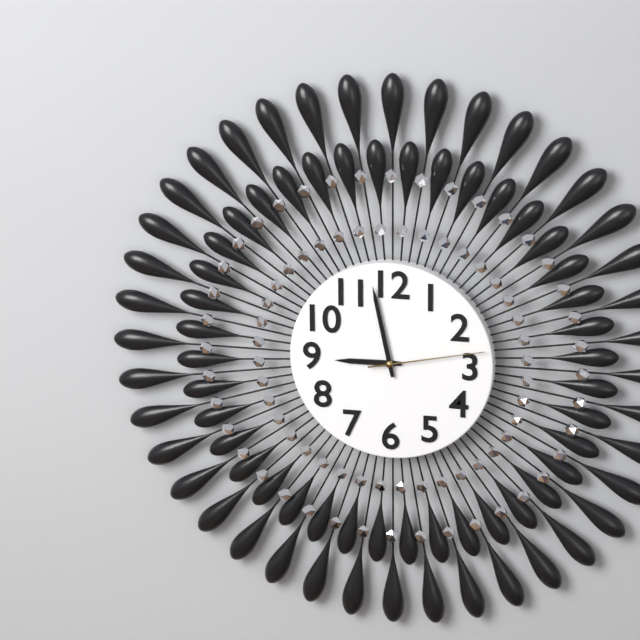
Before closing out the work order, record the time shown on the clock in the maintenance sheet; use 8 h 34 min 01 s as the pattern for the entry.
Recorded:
8 h 58 min 13 s
